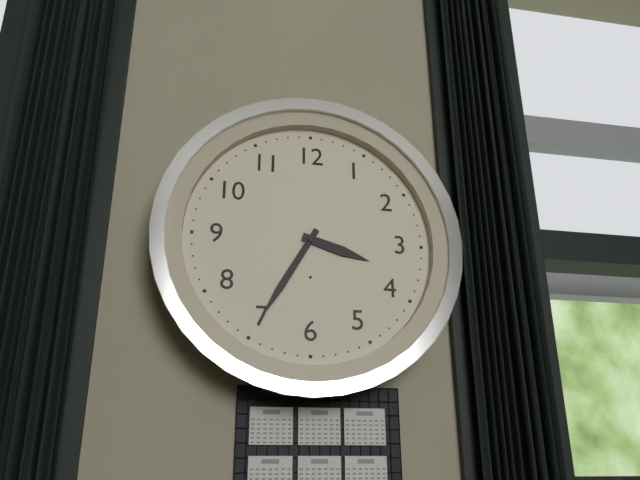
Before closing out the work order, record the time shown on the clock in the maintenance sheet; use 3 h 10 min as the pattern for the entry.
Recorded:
3 h 35 min
